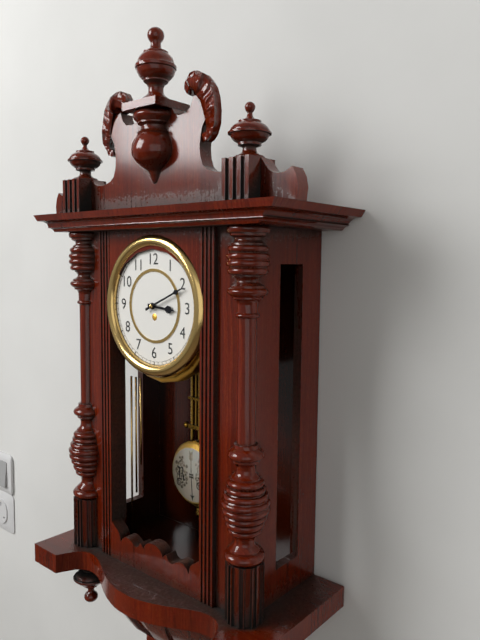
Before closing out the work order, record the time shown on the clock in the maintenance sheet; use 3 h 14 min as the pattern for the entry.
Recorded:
3 h 11 min
